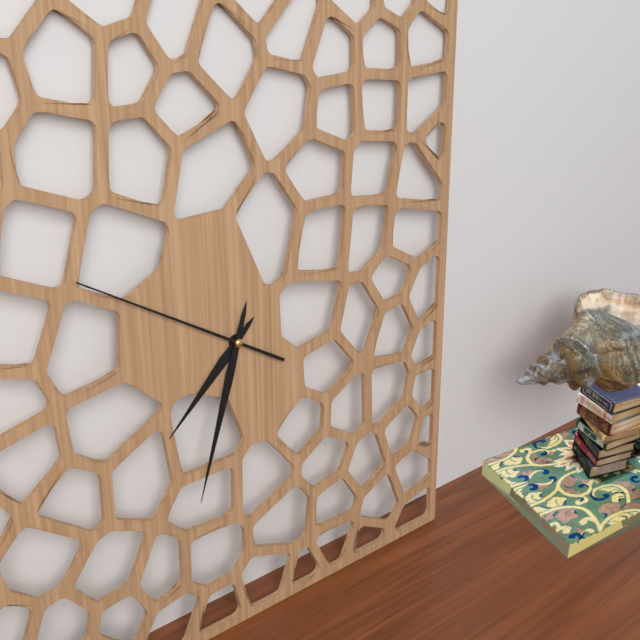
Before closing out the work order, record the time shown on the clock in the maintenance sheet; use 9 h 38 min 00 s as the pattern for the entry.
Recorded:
7 h 33 min 50 s
